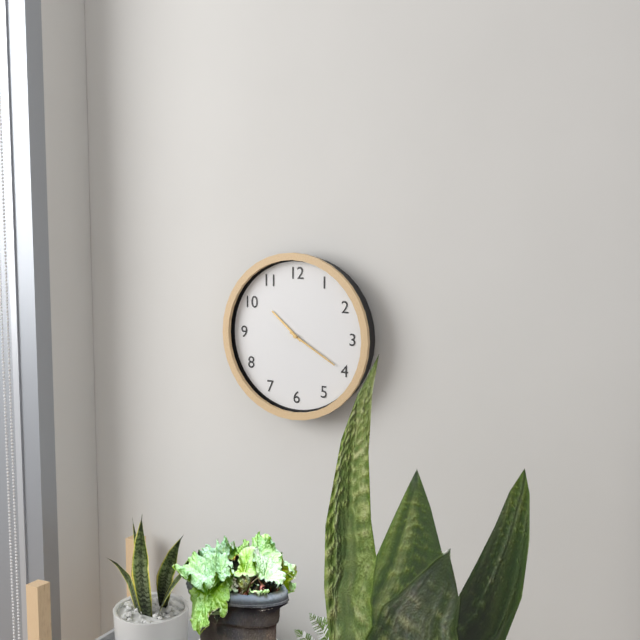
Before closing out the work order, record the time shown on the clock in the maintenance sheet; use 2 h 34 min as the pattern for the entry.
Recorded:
10 h 20 min
